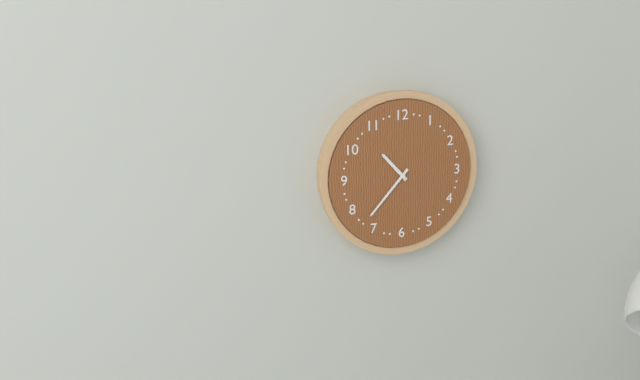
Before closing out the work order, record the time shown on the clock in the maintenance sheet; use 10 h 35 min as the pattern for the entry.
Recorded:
10 h 37 min
